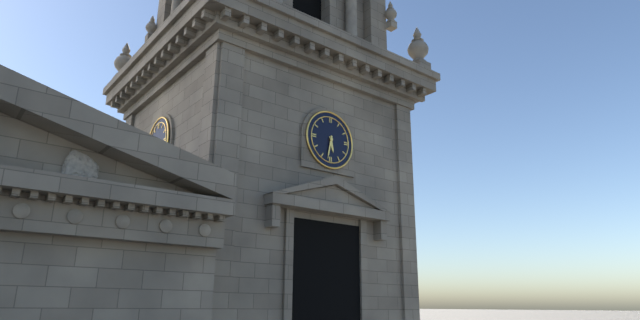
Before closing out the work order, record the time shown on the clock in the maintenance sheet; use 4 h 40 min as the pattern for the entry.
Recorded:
5 h 32 min
